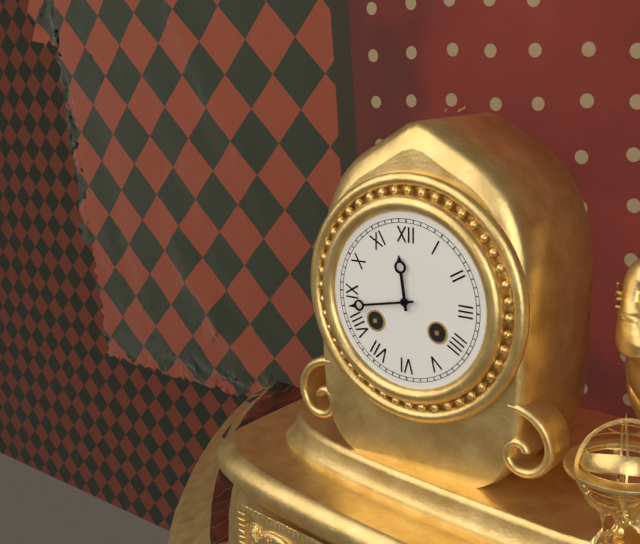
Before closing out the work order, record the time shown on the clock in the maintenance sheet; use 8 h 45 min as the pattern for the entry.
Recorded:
11 h 43 min
